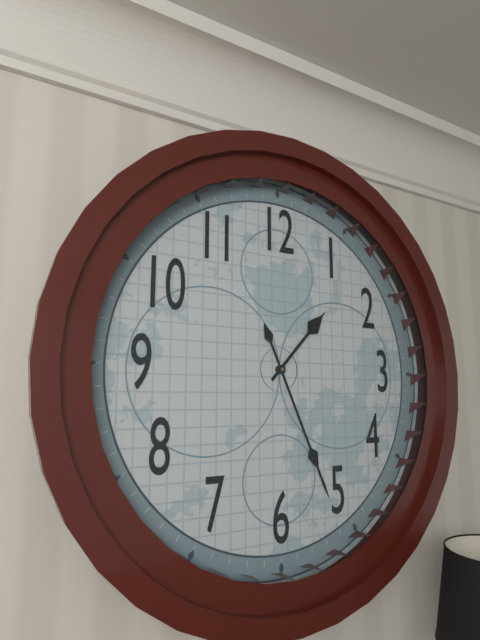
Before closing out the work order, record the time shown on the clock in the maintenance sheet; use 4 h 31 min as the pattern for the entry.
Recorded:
1 h 26 min
